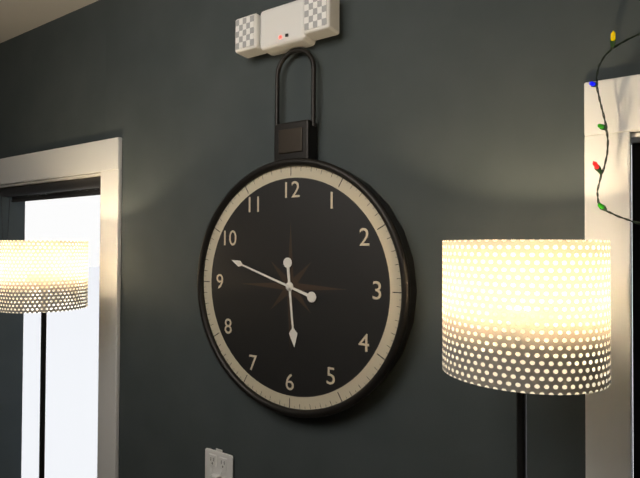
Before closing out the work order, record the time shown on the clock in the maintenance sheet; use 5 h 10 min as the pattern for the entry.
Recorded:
5 h 48 min
